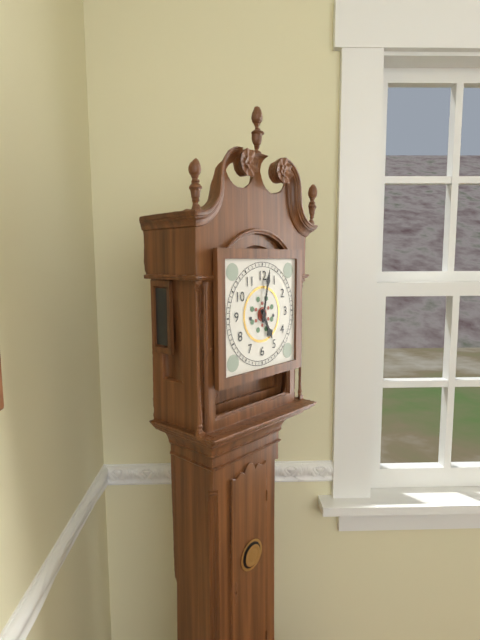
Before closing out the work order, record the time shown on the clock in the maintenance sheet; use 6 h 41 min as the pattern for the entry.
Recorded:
5 h 02 min
